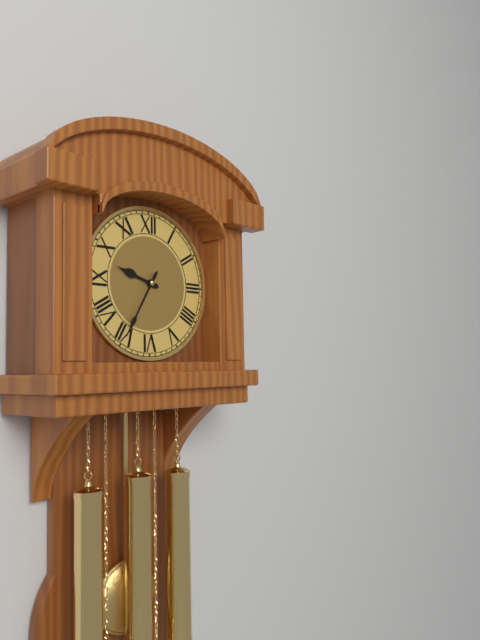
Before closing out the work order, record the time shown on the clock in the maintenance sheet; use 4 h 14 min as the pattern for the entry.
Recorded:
9 h 35 min
